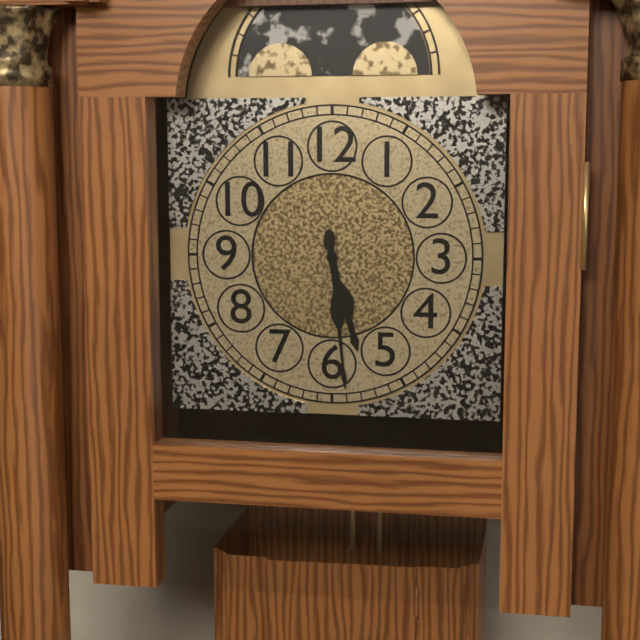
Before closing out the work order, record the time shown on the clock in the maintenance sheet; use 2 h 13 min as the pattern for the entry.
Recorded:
5 h 29 min
